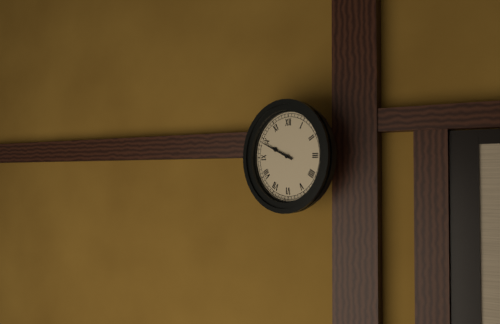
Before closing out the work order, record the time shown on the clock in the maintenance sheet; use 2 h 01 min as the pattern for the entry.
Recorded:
9 h 49 min
